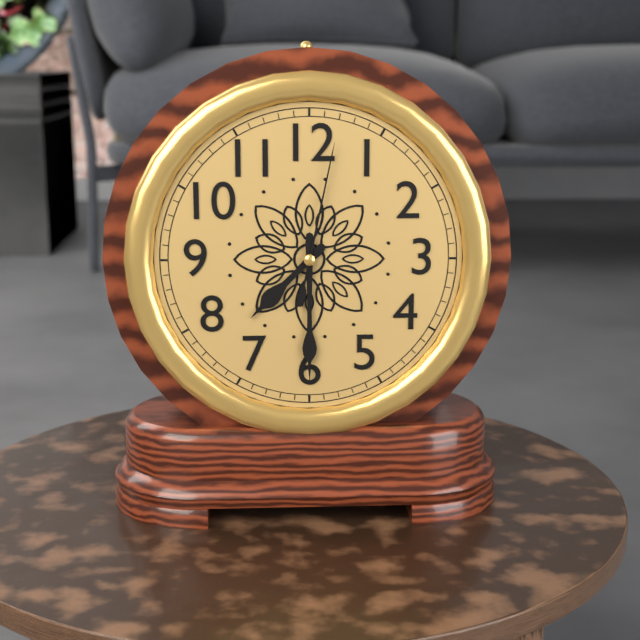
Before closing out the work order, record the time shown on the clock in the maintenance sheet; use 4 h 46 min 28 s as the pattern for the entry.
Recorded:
7 h 30 min 02 s
